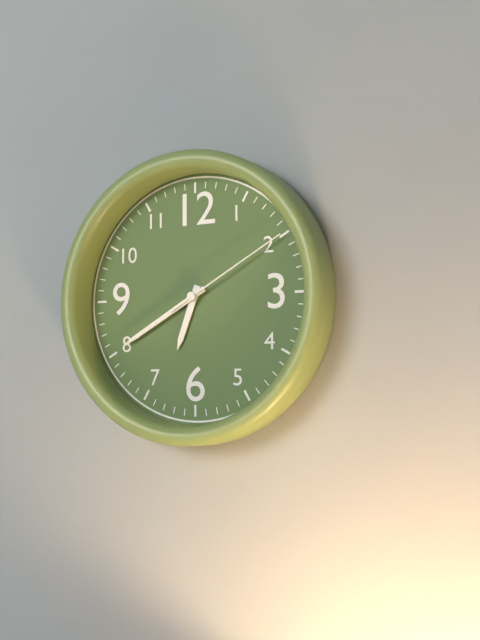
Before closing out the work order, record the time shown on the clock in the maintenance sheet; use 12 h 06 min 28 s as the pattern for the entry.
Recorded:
6 h 40 min 10 s
